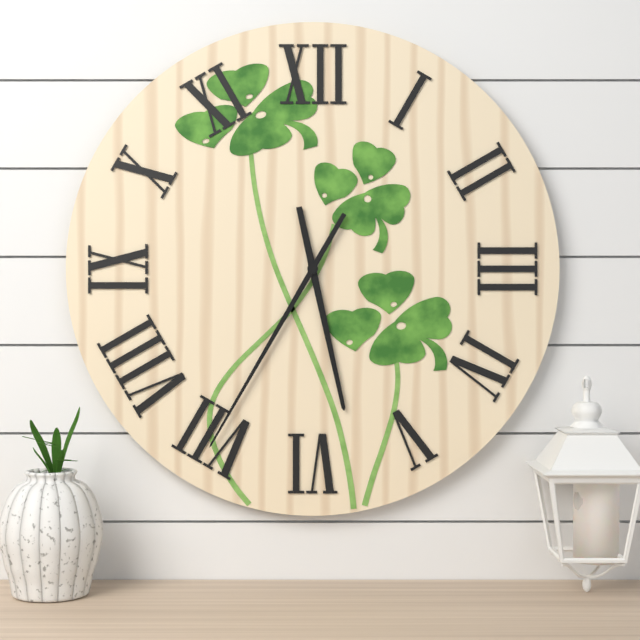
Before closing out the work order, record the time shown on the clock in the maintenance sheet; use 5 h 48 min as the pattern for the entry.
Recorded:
5 h 35 min
